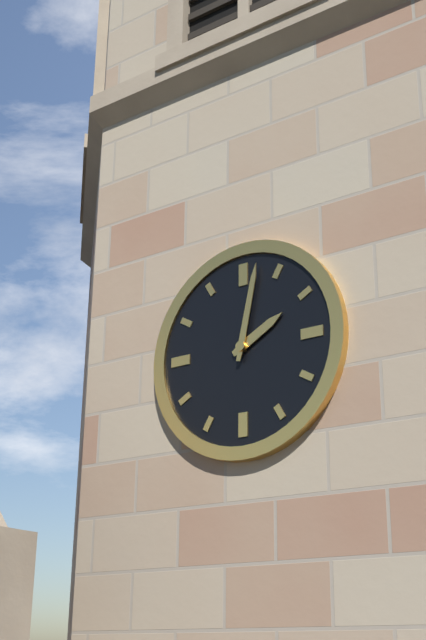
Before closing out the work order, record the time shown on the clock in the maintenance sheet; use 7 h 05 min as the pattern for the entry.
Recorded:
2 h 02 min
